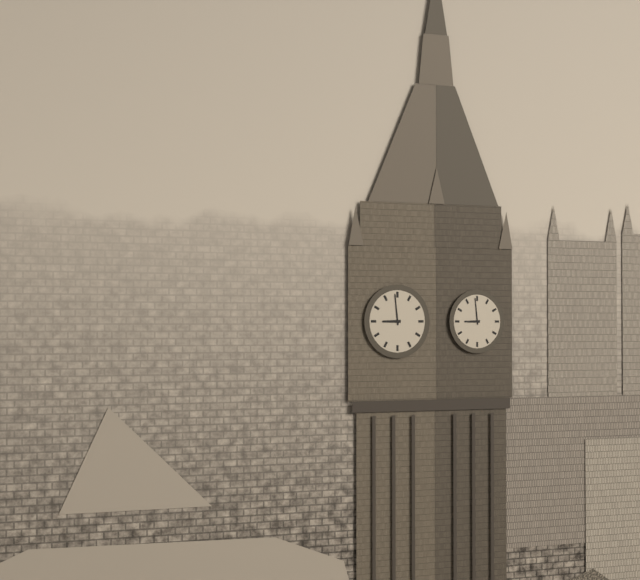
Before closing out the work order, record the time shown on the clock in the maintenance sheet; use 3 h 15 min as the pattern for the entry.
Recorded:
8 h 59 min
